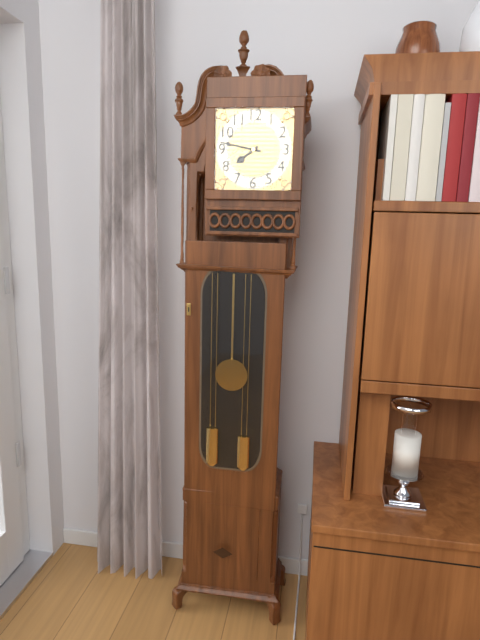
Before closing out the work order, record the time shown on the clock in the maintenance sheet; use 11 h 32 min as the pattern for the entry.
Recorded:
7 h 47 min
